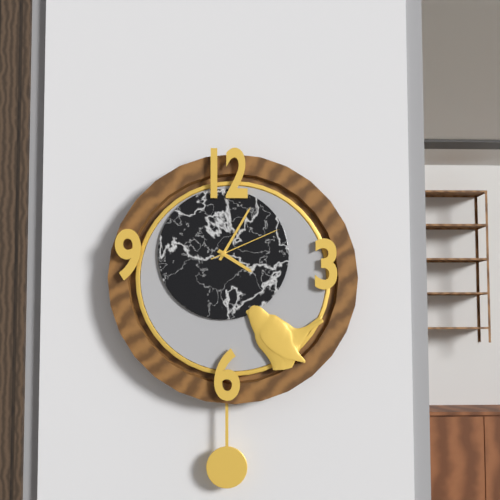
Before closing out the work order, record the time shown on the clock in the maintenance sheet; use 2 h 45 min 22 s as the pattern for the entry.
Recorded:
4 h 05 min 11 s
